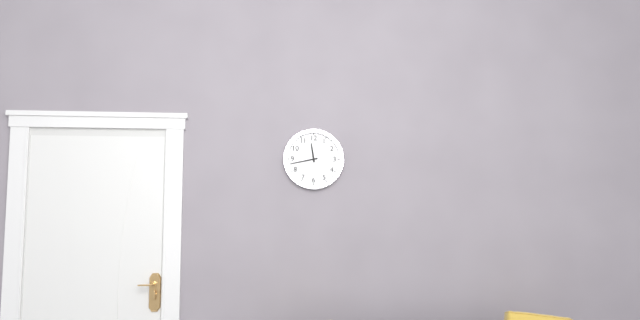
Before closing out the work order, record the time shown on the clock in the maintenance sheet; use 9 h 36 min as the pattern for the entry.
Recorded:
11 h 43 min
